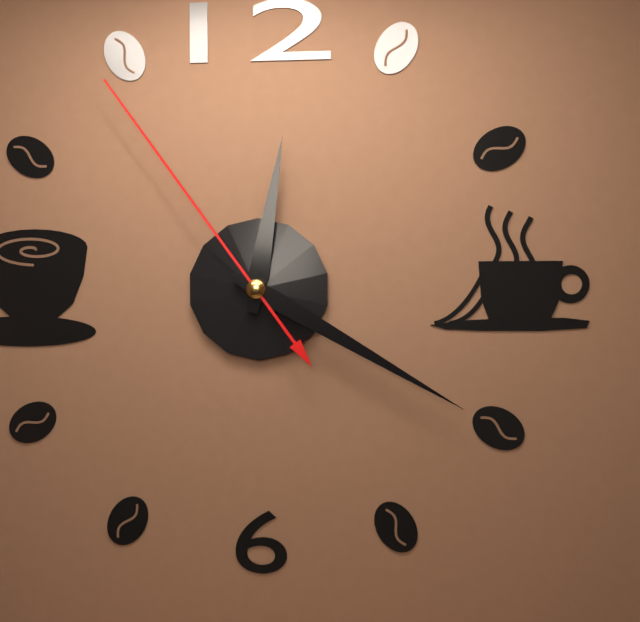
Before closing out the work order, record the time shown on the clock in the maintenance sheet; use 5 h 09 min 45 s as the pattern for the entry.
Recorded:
12 h 20 min 54 s
